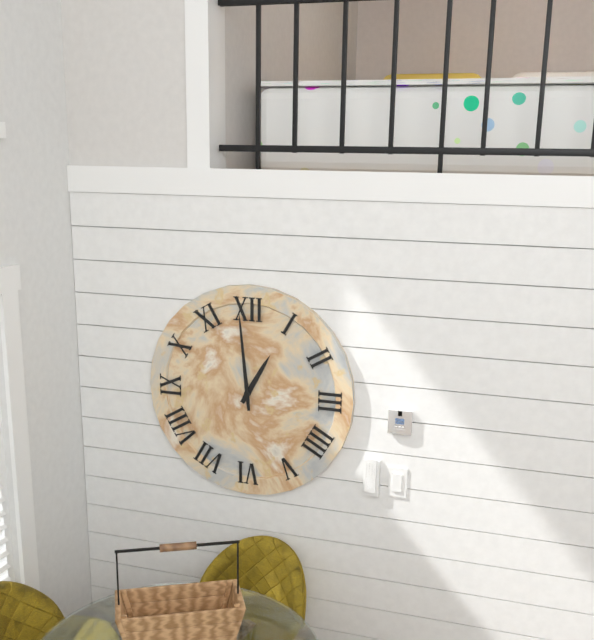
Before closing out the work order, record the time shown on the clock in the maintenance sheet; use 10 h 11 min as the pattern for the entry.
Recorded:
12 h 59 min
